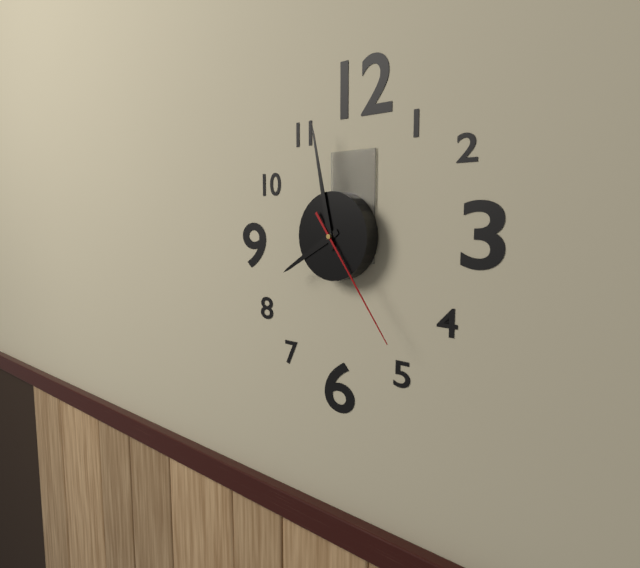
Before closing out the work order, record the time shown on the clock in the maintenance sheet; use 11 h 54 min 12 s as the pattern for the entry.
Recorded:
7 h 58 min 24 s
